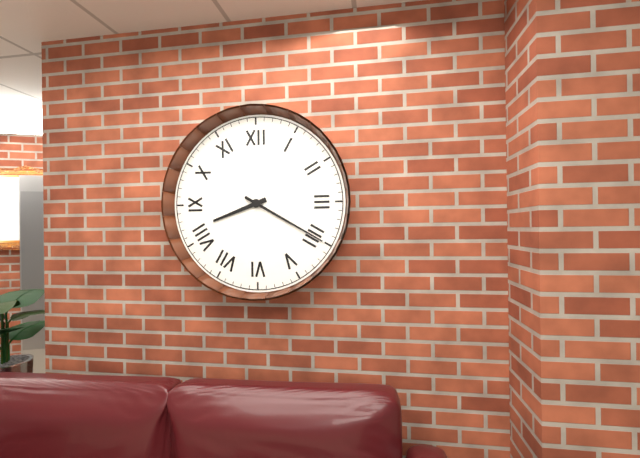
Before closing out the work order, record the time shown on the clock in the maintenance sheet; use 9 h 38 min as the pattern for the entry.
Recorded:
8 h 20 min
